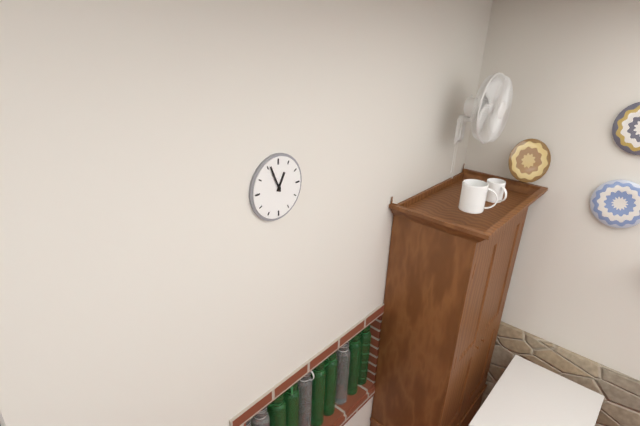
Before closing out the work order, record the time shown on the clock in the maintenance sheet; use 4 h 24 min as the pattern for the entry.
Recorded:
12 h 56 min
